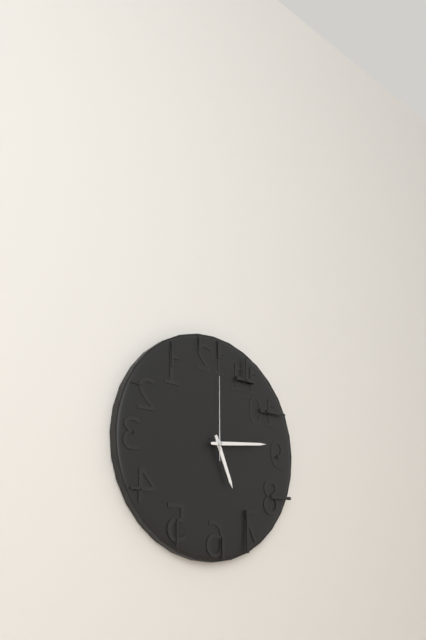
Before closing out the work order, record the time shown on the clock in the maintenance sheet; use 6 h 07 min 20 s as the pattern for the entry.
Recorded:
5 h 14 min 00 s
